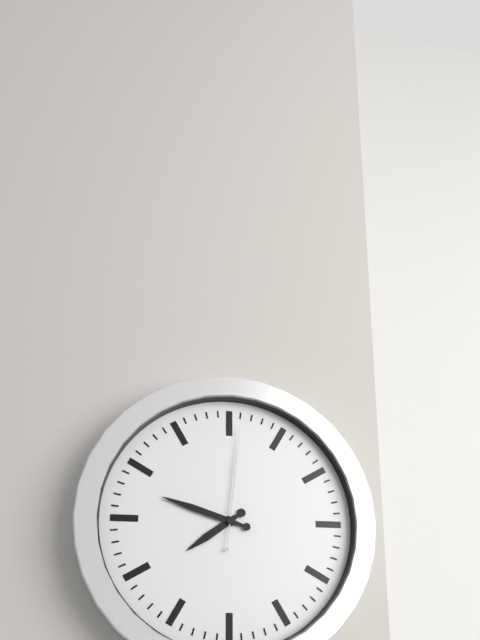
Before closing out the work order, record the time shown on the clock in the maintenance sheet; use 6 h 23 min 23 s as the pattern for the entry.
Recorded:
7 h 48 min 01 s
